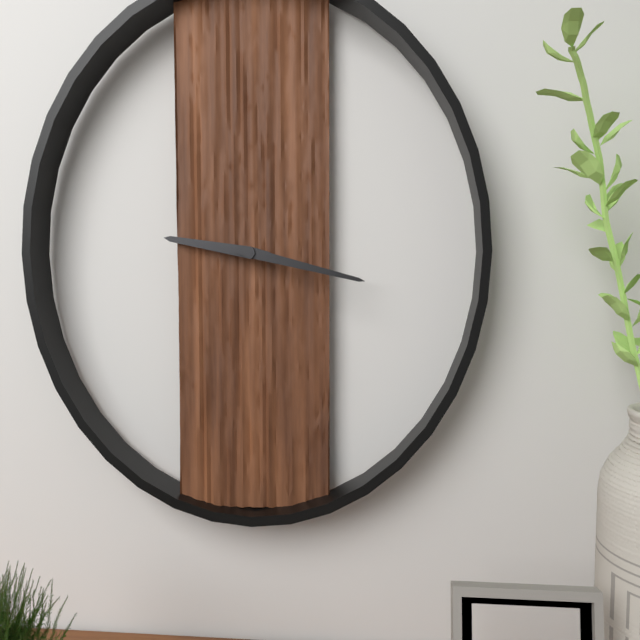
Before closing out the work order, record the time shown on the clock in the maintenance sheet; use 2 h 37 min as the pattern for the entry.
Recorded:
9 h 17 min
